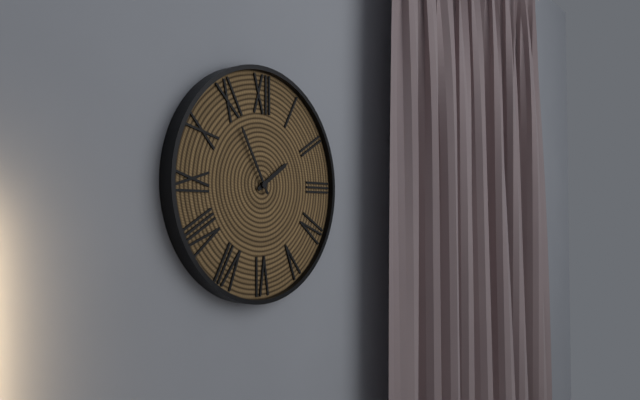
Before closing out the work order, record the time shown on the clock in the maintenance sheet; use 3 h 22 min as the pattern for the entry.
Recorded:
1 h 55 min
